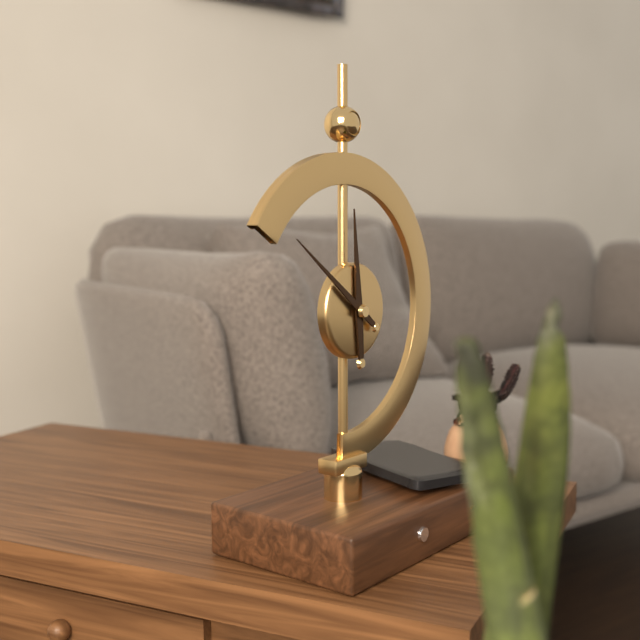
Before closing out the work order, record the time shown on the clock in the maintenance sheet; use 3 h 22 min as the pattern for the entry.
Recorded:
11 h 51 min
